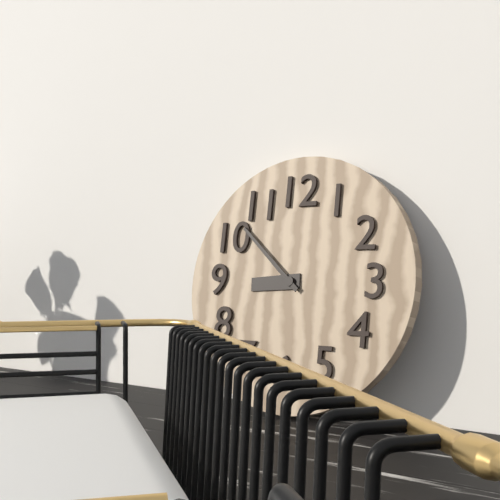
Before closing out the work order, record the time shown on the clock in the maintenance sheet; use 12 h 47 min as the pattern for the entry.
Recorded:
8 h 52 min
